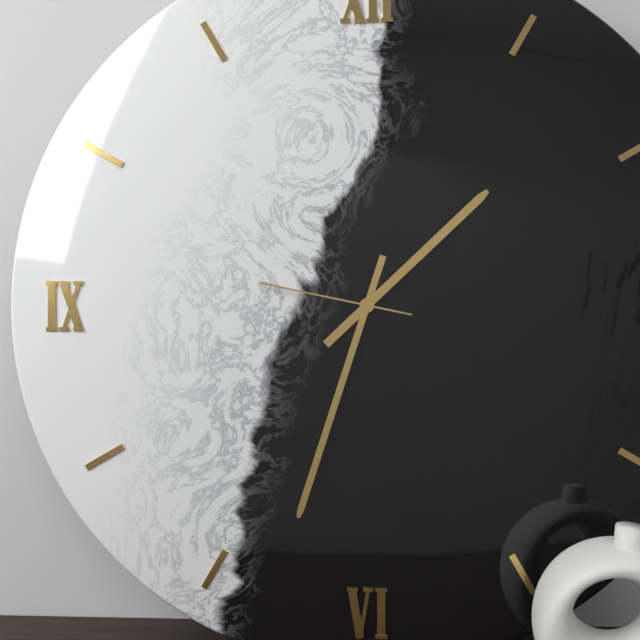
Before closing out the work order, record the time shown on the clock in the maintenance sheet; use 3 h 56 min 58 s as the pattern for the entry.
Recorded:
1 h 33 min 47 s
